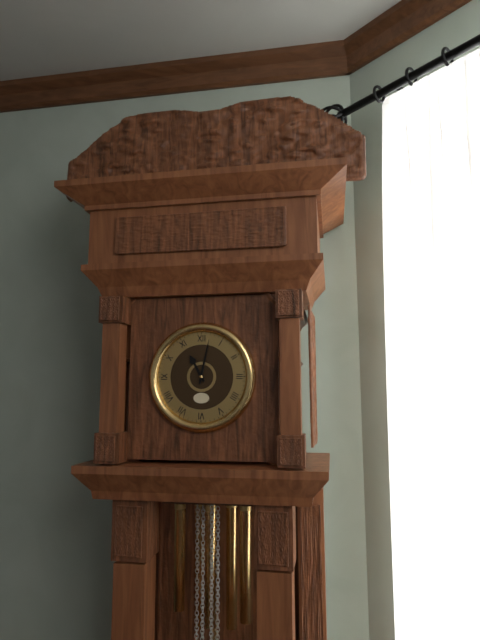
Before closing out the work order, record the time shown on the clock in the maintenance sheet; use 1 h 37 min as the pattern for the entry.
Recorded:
11 h 02 min
